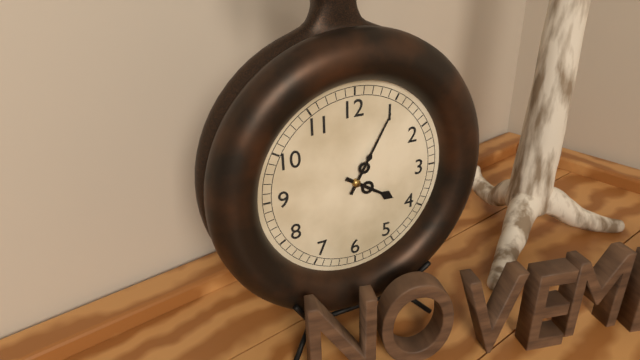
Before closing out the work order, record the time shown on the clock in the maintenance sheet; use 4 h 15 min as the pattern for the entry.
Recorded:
4 h 05 min
